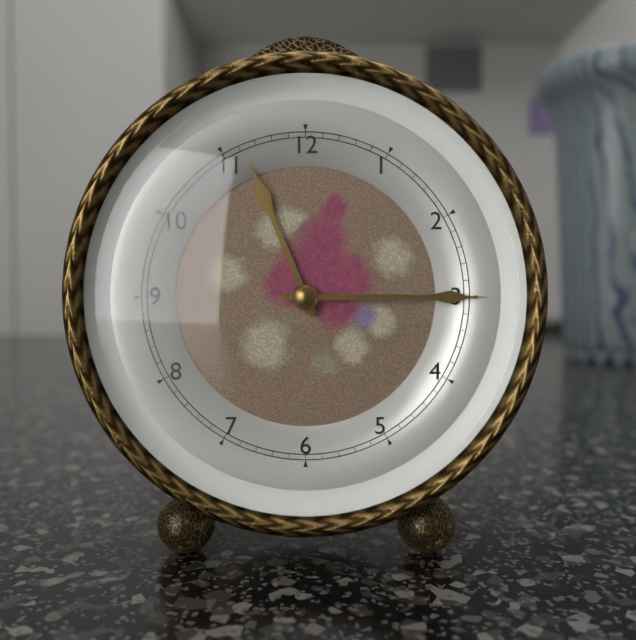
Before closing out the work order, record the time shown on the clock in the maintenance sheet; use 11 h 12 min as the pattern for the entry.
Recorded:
11 h 15 min
